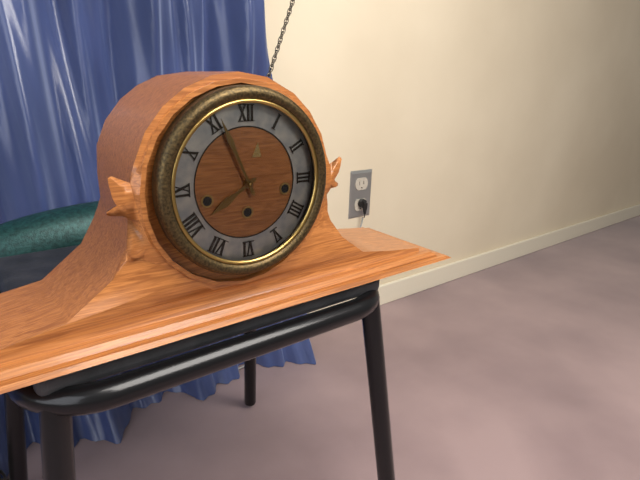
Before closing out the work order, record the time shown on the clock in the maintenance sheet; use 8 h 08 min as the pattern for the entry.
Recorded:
7 h 56 min
